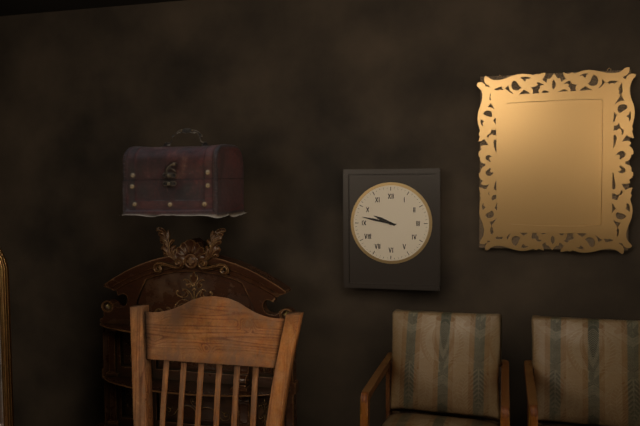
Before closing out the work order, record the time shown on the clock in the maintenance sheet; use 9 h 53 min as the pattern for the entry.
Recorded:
9 h 47 min
